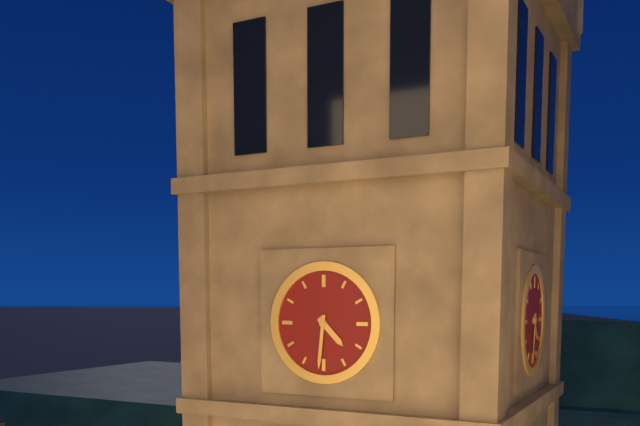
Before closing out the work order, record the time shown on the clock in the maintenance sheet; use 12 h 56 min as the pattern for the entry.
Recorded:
4 h 31 min
